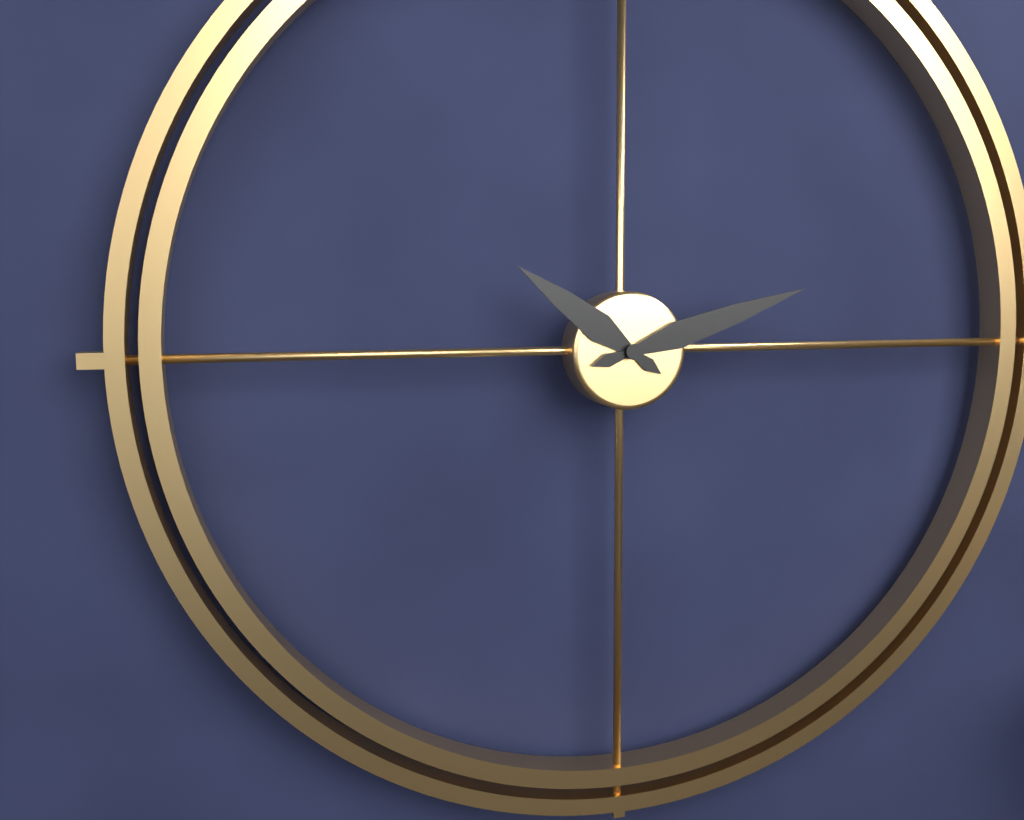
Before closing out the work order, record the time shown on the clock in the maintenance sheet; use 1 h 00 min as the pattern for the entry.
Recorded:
10 h 12 min
